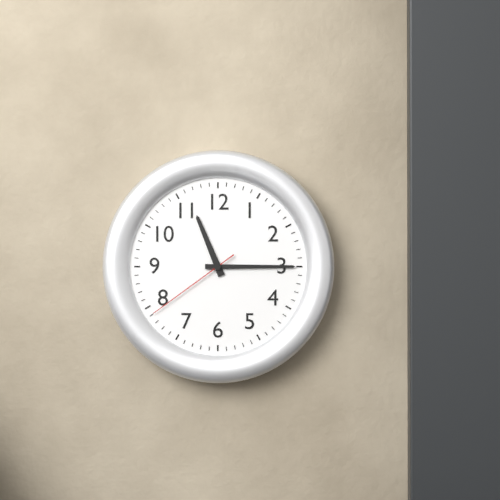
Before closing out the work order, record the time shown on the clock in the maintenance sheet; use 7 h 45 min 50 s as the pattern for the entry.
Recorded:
11 h 15 min 39 s
